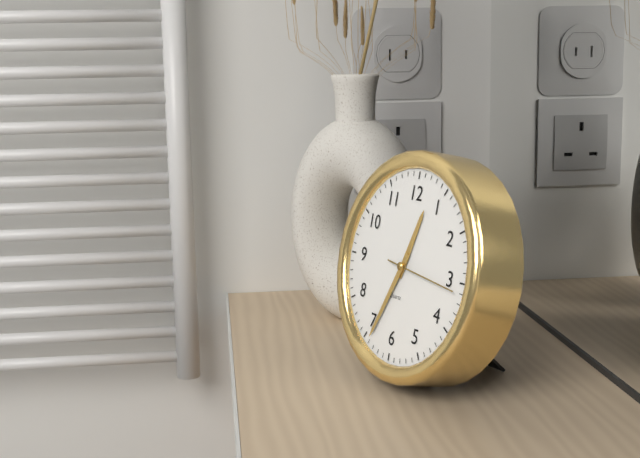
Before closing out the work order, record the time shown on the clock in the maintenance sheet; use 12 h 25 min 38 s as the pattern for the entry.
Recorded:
12 h 34 min 16 s
